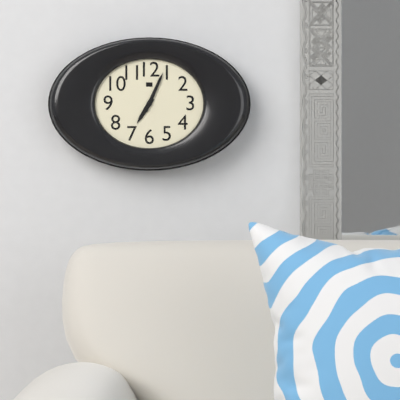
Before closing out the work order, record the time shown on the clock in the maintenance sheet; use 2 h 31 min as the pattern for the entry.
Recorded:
7 h 04 min
